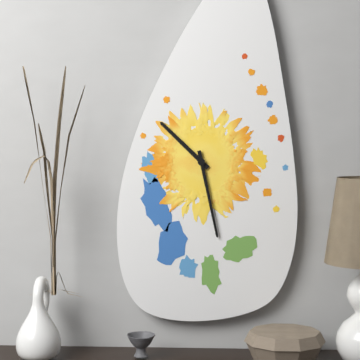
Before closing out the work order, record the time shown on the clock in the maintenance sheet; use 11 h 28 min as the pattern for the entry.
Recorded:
10 h 28 min
